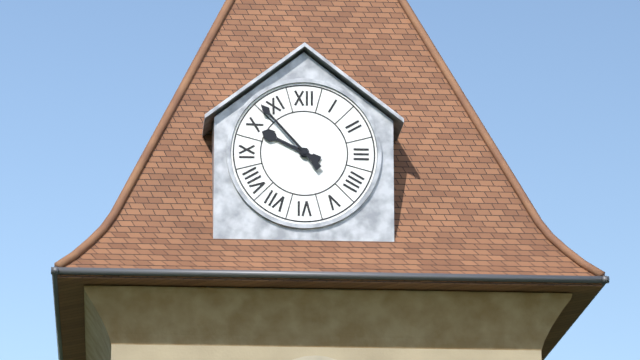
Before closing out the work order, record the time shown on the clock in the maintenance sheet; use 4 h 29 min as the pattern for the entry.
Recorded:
9 h 53 min
